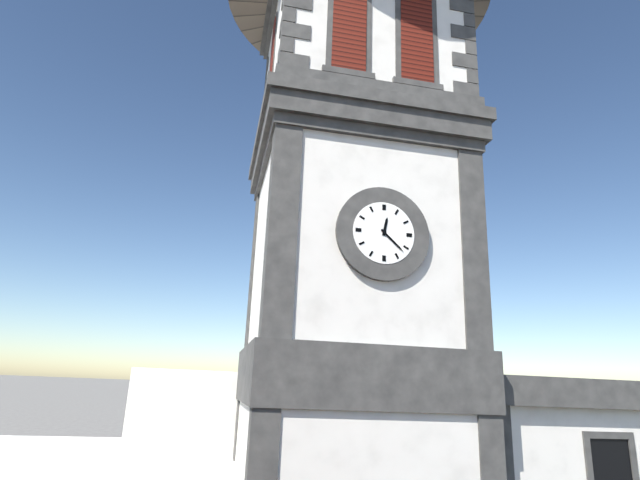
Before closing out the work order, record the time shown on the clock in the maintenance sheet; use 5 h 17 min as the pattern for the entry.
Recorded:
12 h 22 min
